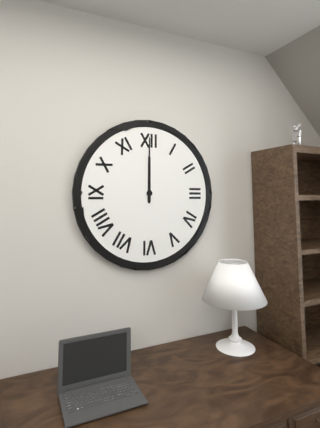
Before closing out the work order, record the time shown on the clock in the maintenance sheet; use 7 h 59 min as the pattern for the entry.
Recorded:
12 h 00 min
